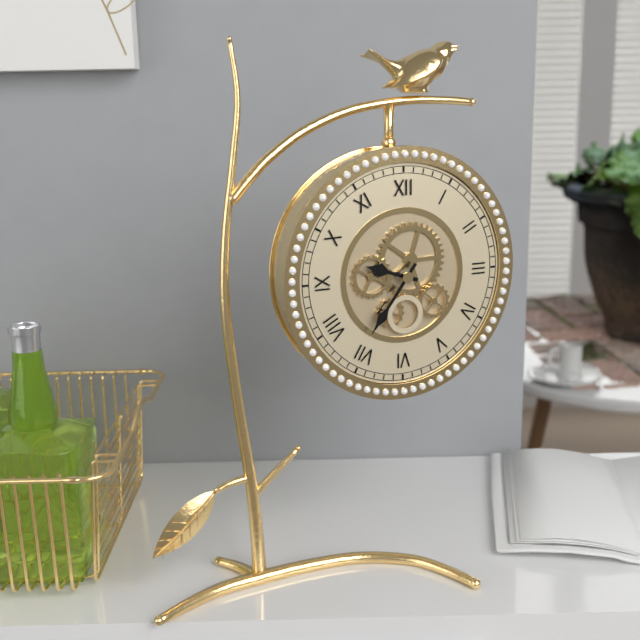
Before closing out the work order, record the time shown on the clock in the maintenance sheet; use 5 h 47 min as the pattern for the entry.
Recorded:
9 h 36 min
